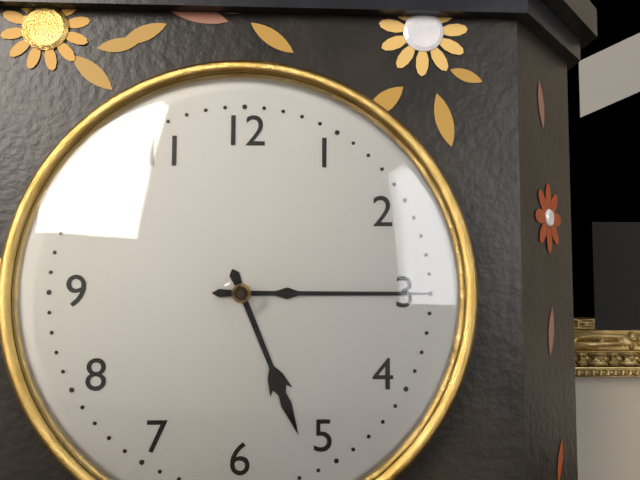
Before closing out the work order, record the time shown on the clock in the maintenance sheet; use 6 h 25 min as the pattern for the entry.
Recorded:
5 h 15 min
